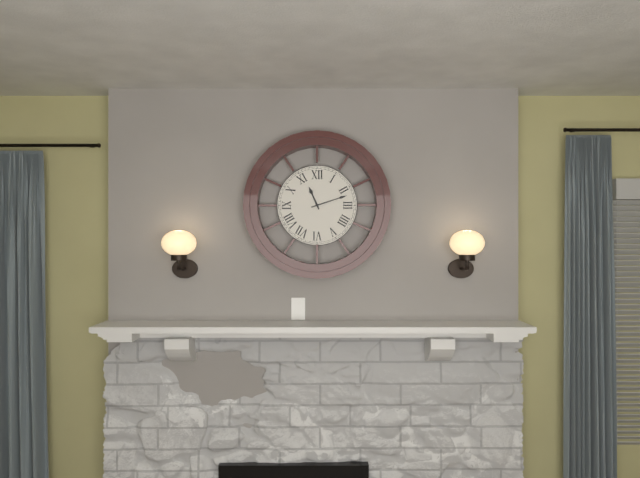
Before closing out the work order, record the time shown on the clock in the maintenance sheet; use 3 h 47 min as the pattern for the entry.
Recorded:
11 h 12 min
